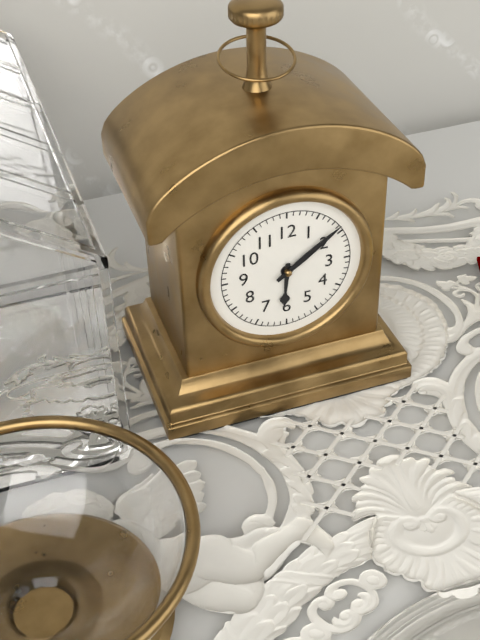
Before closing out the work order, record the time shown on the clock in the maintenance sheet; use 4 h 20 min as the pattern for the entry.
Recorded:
6 h 09 min
